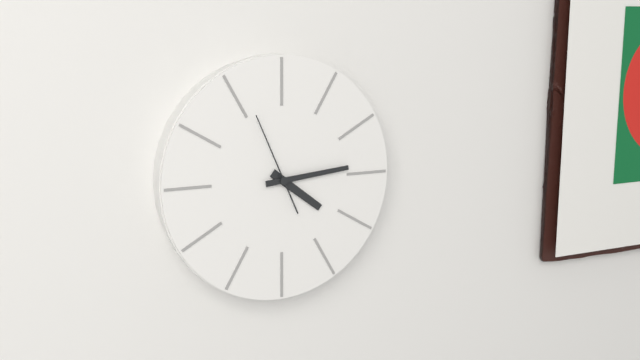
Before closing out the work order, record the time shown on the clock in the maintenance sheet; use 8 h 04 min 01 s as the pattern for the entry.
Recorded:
4 h 14 min 56 s
